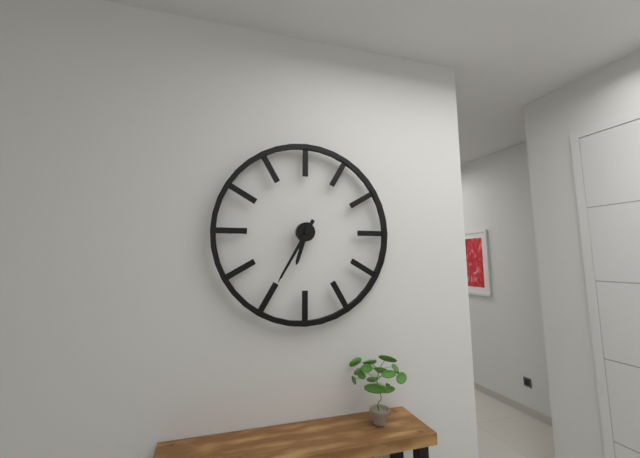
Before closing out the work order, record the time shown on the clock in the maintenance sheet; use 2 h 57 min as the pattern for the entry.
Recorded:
6 h 35 min
